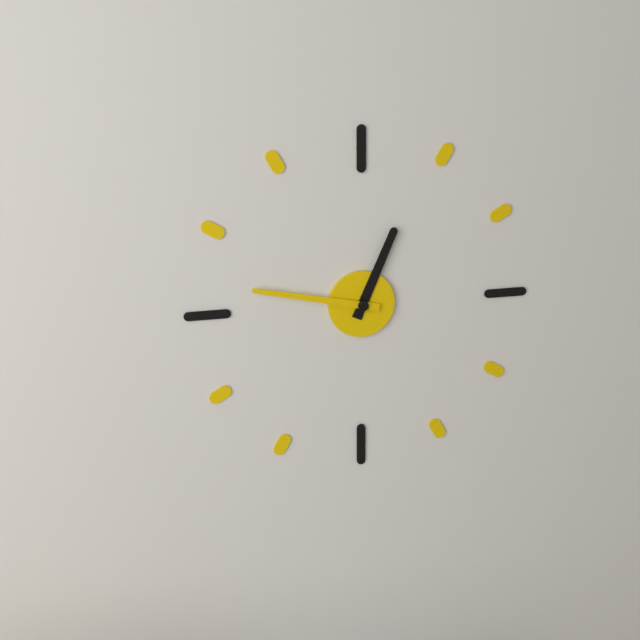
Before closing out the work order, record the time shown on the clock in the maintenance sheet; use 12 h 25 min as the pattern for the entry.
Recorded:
12 h 47 min
